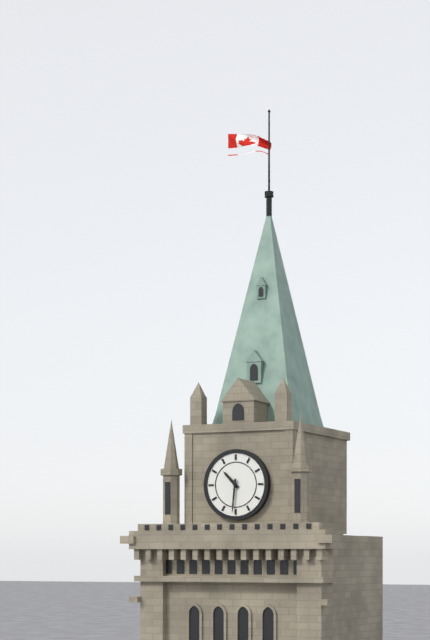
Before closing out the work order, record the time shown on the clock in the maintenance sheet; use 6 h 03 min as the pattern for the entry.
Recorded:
10 h 31 min
